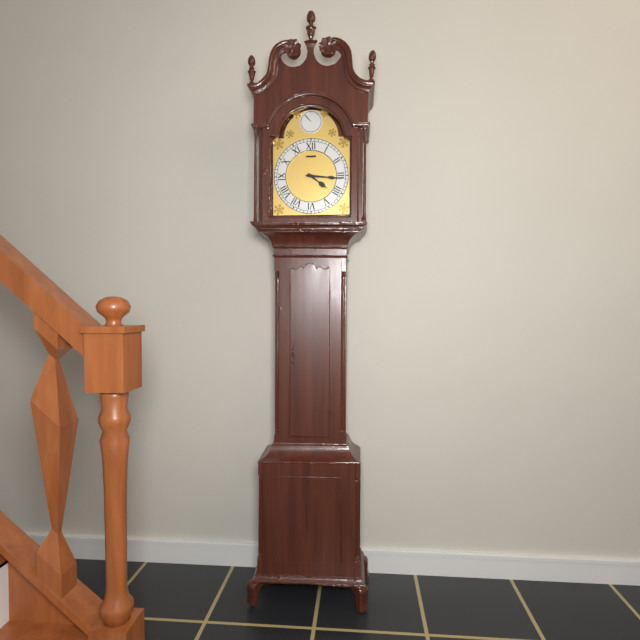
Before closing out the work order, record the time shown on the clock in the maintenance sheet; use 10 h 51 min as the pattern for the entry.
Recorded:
4 h 16 min
